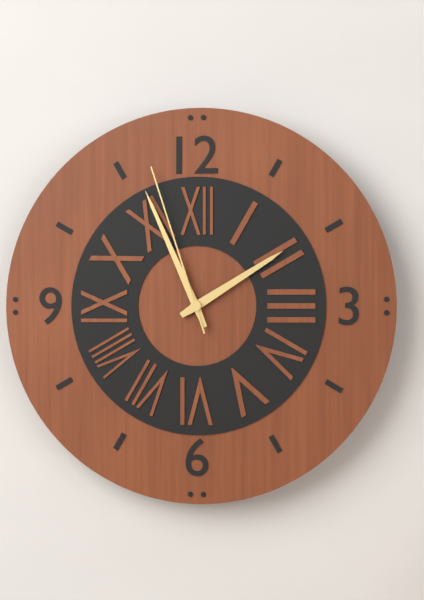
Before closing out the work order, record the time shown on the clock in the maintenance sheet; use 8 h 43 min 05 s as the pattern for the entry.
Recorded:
1 h 56 min 57 s
